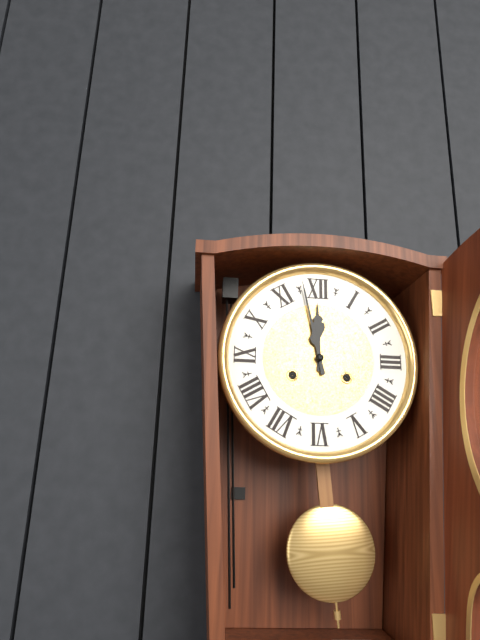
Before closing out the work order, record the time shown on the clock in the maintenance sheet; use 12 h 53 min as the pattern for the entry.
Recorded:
11 h 58 min
